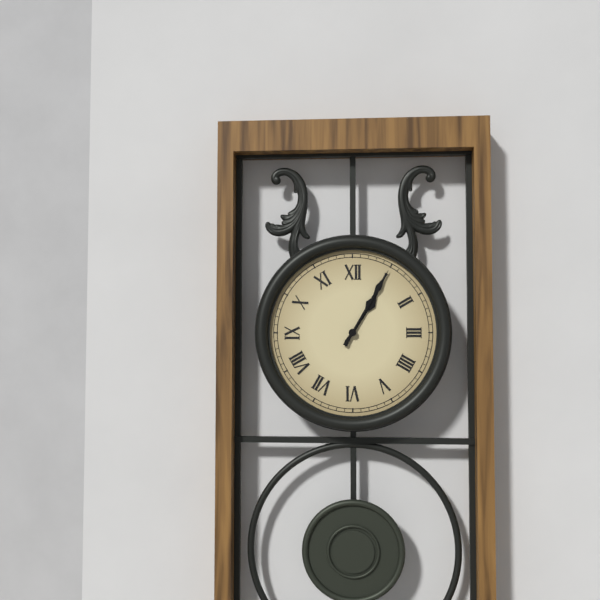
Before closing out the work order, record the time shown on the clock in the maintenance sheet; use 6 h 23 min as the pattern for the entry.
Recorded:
1 h 05 min
